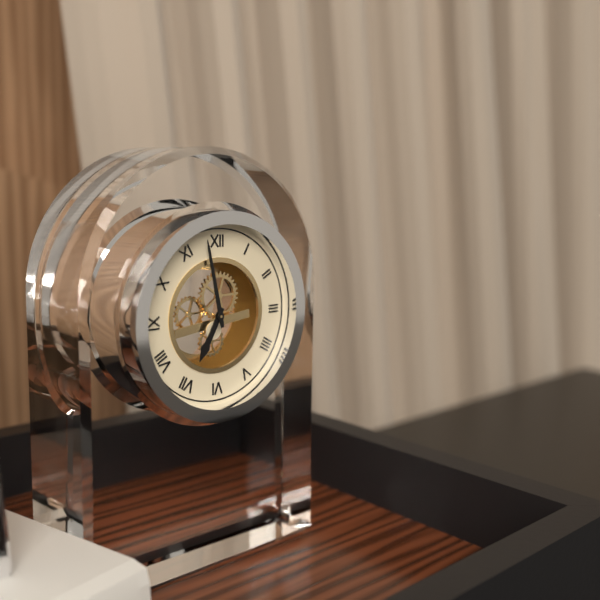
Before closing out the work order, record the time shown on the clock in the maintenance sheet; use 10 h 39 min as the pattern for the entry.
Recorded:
6 h 58 min
